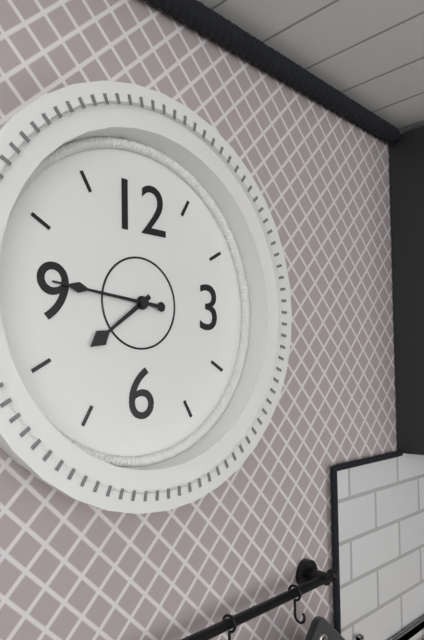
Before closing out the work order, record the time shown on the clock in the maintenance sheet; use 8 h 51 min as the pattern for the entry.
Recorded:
7 h 46 min
